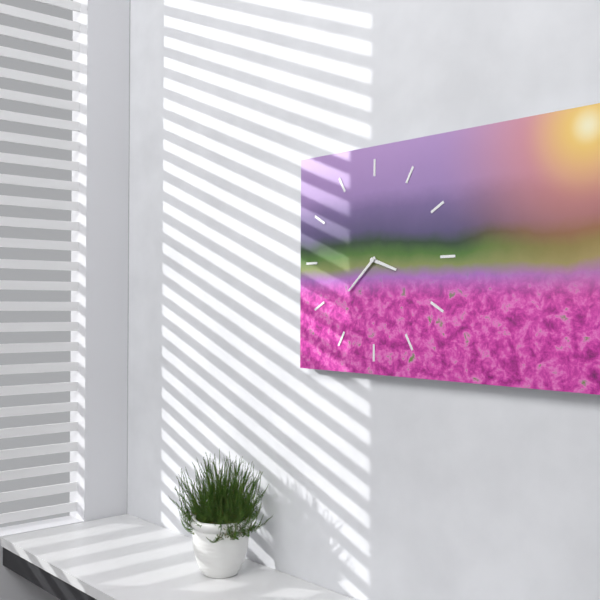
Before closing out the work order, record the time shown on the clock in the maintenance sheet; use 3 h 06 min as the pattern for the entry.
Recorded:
3 h 38 min
